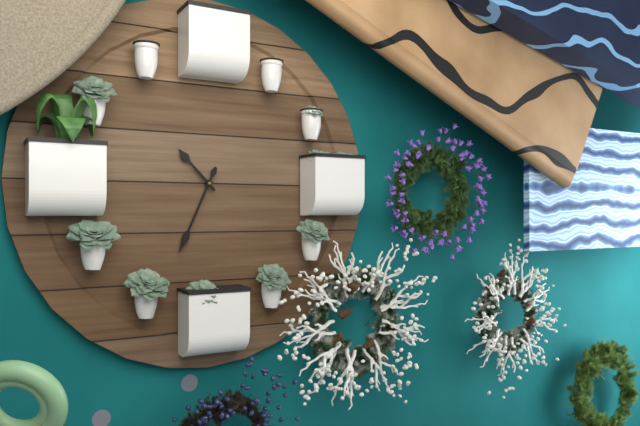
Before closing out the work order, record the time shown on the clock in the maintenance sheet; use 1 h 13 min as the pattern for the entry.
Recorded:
10 h 34 min
